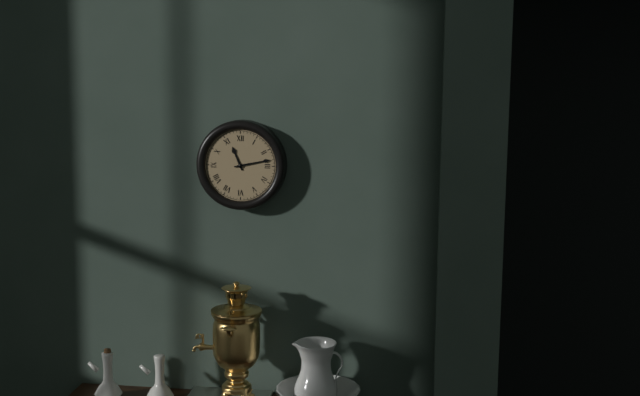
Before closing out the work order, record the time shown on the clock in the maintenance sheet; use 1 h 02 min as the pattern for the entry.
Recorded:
11 h 13 min
